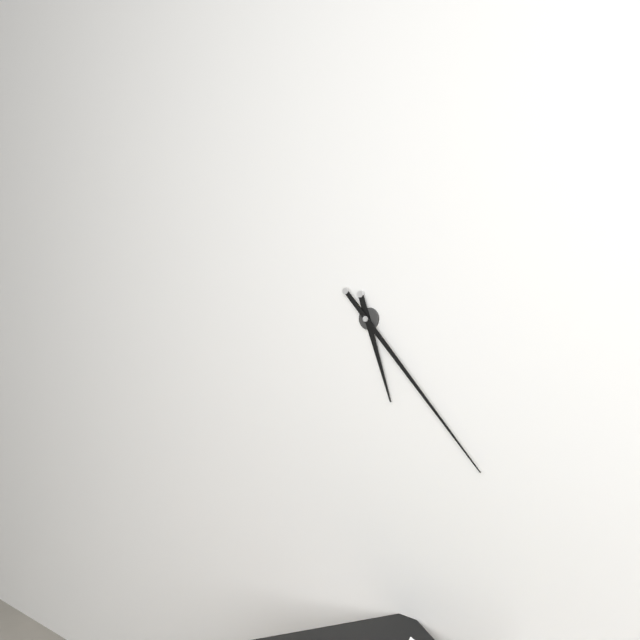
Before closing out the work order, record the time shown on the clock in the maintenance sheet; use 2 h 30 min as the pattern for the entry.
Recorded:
5 h 23 min
